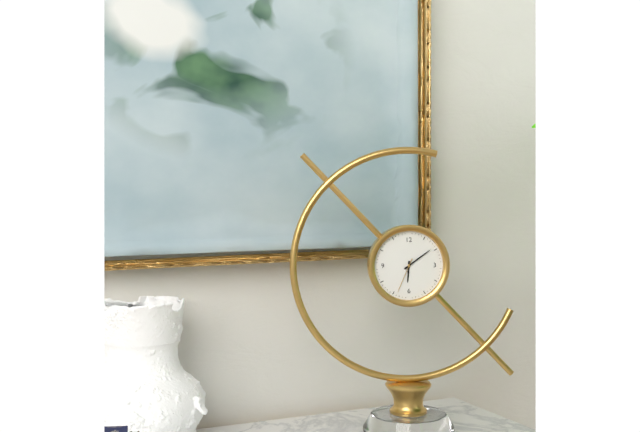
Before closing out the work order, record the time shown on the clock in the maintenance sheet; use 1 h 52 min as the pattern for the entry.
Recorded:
6 h 09 min
